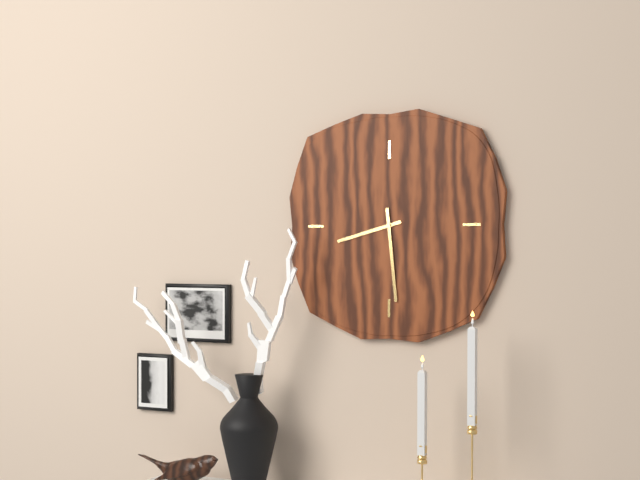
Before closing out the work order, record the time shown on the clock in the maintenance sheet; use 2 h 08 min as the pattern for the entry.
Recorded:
8 h 29 min
